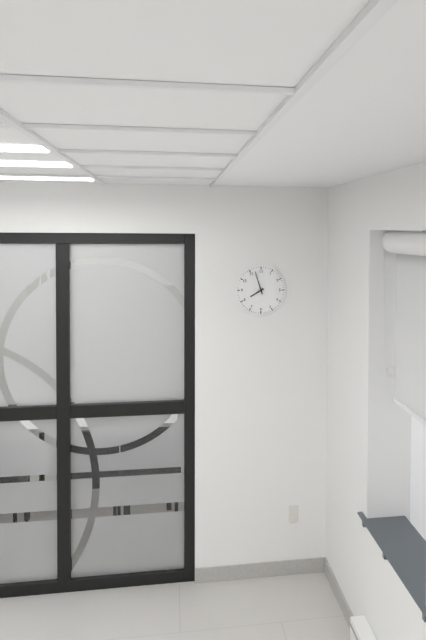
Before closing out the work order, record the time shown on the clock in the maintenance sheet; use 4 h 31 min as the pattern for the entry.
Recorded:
7 h 57 min
